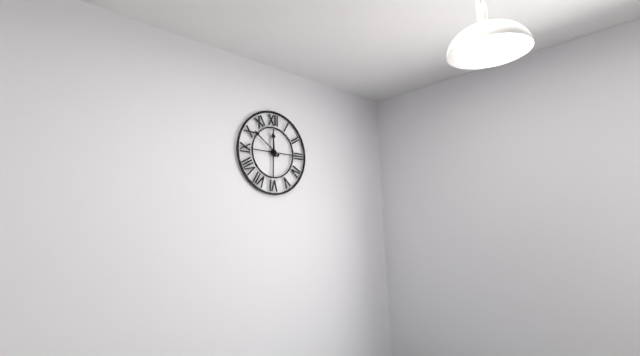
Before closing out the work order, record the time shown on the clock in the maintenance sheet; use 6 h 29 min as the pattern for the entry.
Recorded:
11 h 51 min
